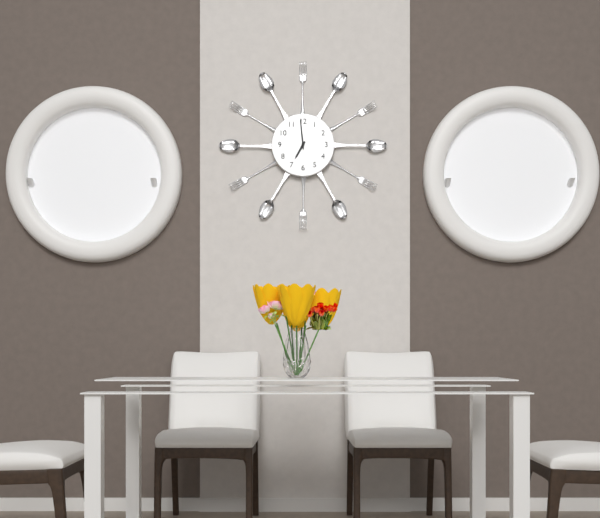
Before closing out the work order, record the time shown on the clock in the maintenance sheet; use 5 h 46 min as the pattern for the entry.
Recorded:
6 h 59 min
